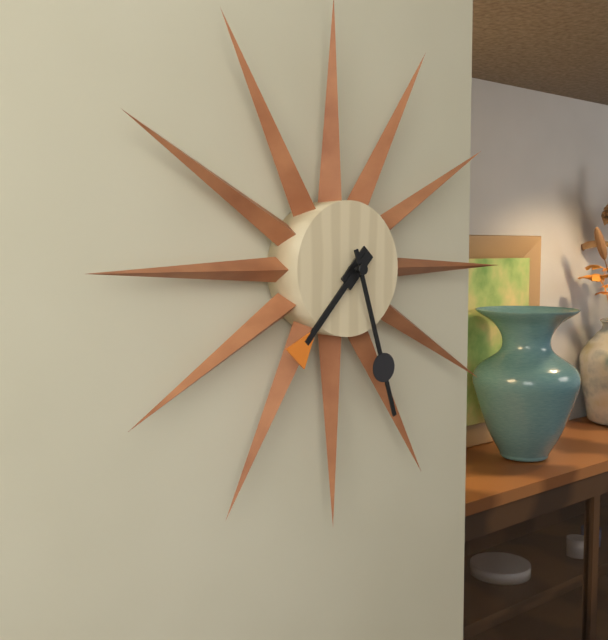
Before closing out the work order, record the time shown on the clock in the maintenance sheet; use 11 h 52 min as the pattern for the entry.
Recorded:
7 h 27 min
